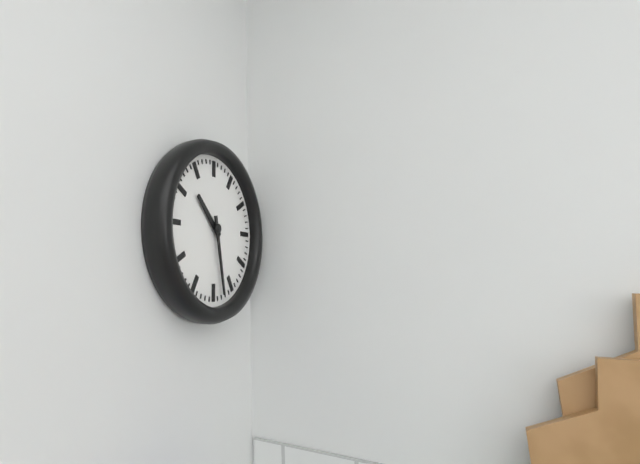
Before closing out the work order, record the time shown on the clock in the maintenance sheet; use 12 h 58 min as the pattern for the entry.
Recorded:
10 h 28 min
